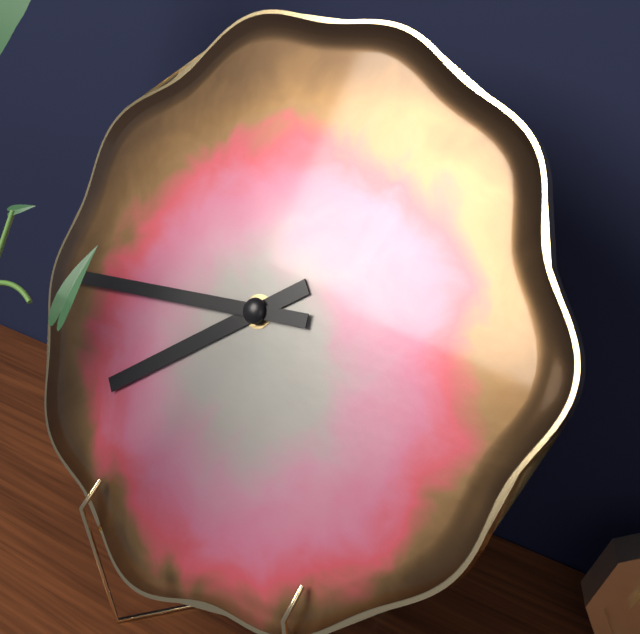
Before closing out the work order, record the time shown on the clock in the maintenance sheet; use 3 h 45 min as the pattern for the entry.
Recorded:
7 h 44 min
